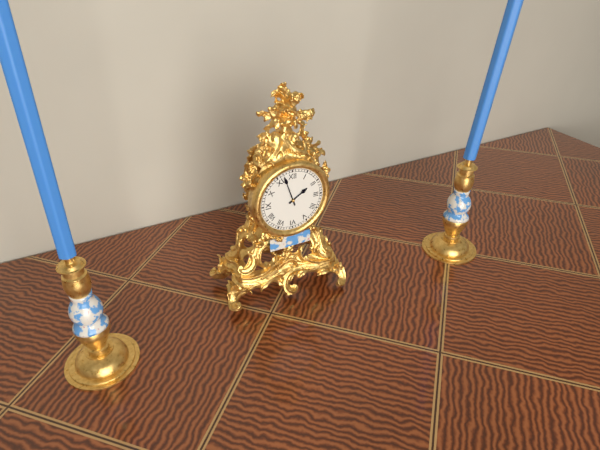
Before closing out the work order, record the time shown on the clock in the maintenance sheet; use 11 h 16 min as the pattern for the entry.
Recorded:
1 h 57 min
